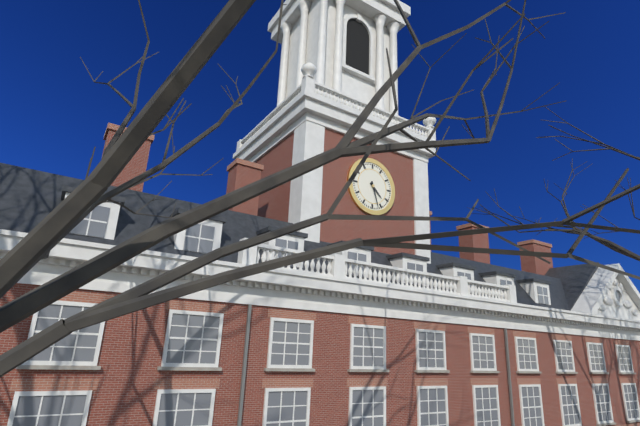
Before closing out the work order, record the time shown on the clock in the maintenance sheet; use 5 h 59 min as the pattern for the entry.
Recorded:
4 h 27 min
